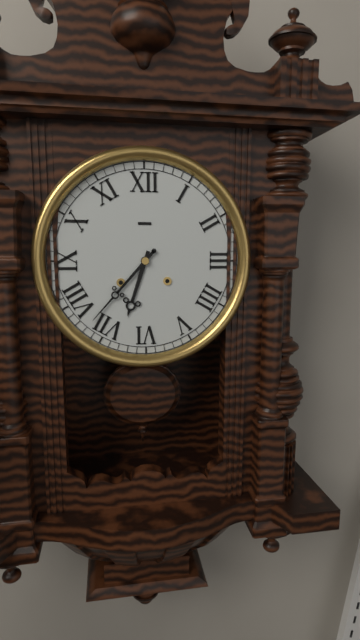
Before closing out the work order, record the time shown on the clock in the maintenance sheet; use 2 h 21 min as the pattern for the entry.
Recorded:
6 h 37 min
